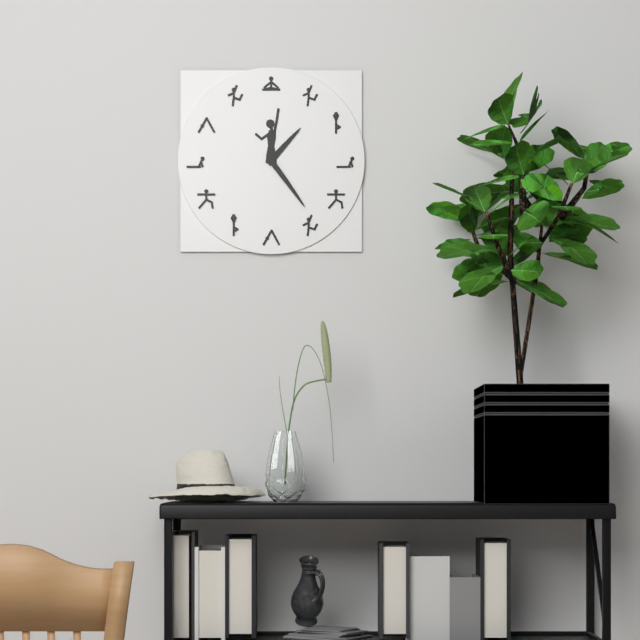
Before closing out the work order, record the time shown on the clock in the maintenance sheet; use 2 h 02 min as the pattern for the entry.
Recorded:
1 h 24 min
